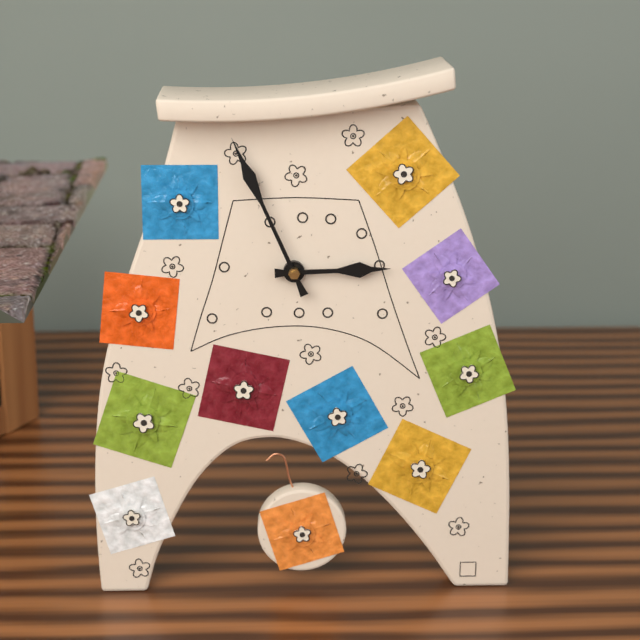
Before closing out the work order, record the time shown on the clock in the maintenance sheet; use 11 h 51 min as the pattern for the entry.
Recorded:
2 h 56 min
